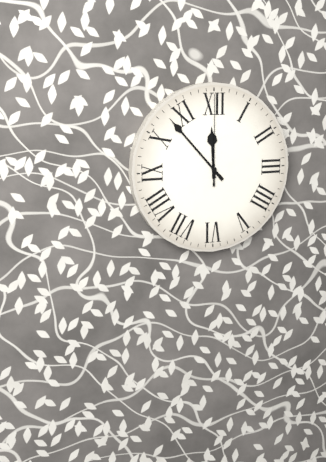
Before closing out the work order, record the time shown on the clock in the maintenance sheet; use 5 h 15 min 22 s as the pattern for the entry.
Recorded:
11 h 53 min 00 s
